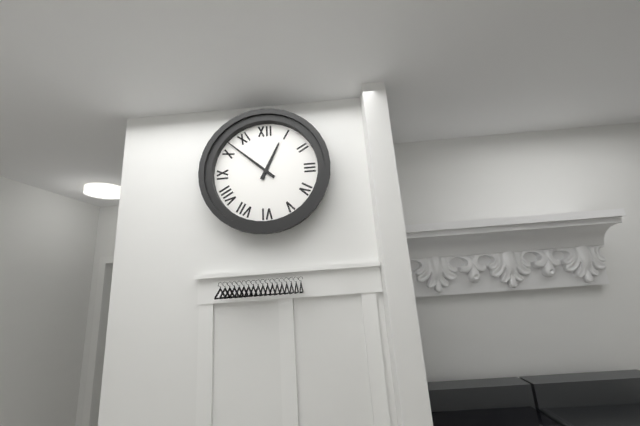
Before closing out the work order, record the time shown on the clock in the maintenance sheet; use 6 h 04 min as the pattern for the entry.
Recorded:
12 h 52 min
